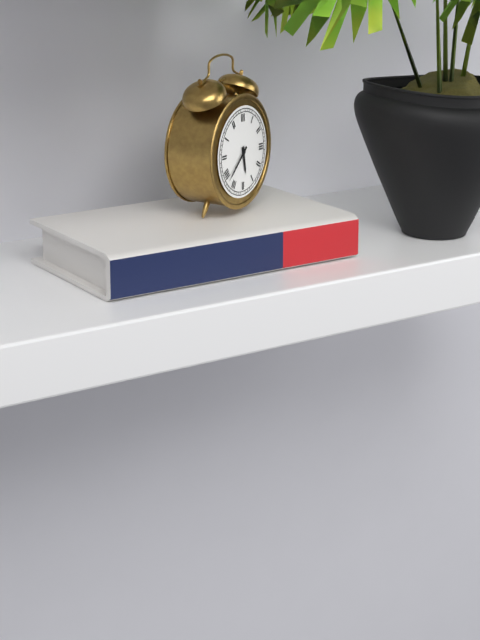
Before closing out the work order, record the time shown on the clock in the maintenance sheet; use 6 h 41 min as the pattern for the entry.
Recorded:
5 h 38 min
